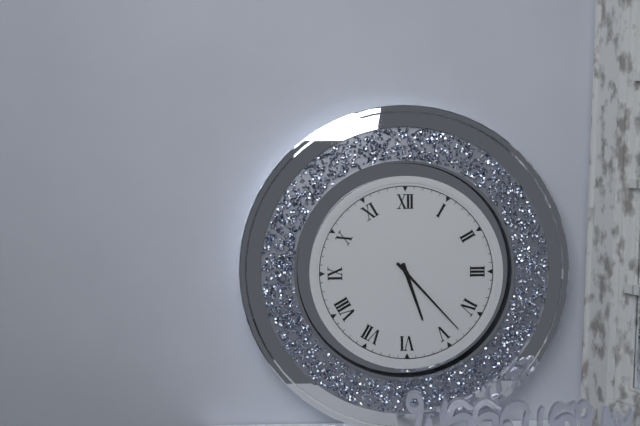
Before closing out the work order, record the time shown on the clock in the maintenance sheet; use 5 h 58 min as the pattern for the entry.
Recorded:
5 h 23 min
